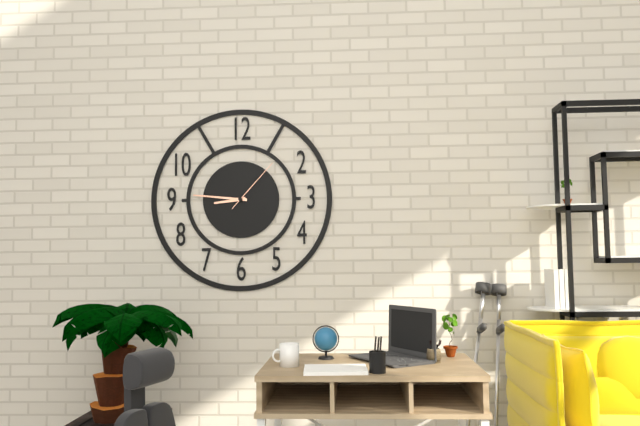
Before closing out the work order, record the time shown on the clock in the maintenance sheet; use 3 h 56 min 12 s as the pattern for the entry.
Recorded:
8 h 46 min 07 s
